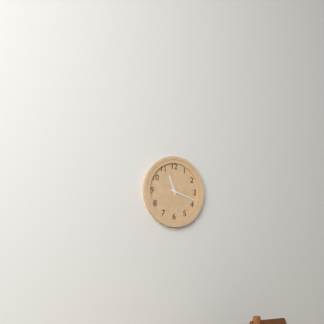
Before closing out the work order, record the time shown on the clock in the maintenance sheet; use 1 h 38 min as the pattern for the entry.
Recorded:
11 h 18 min
